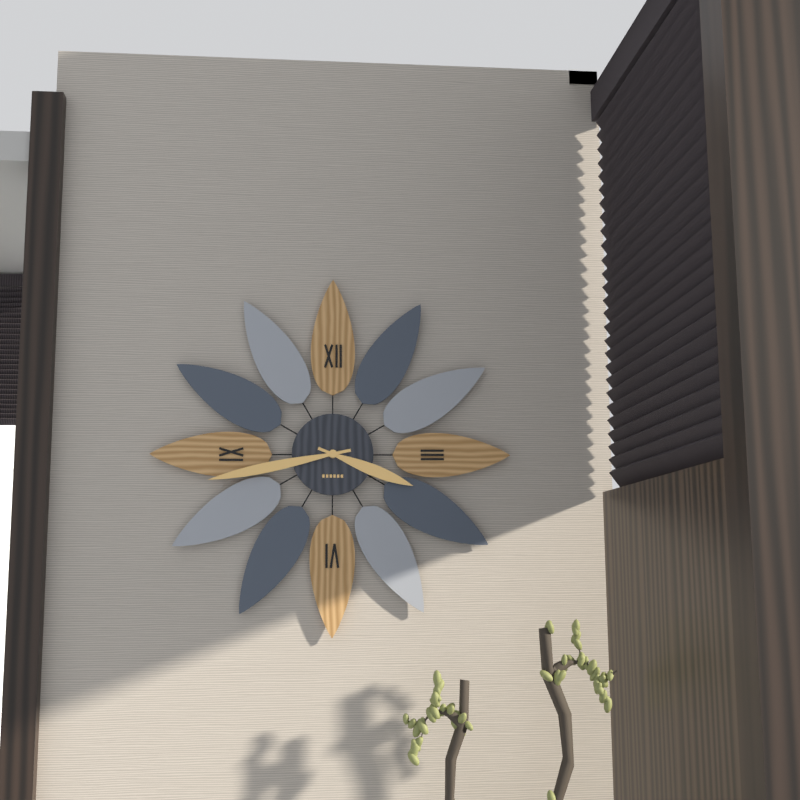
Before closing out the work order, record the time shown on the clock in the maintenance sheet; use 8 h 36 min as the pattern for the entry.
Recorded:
3 h 43 min
